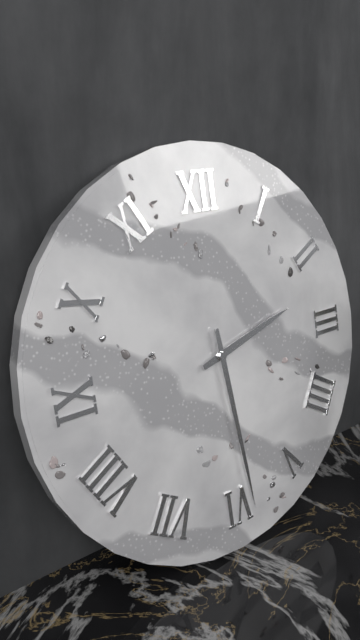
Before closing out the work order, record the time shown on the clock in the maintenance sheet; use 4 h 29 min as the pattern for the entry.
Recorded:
2 h 29 min
